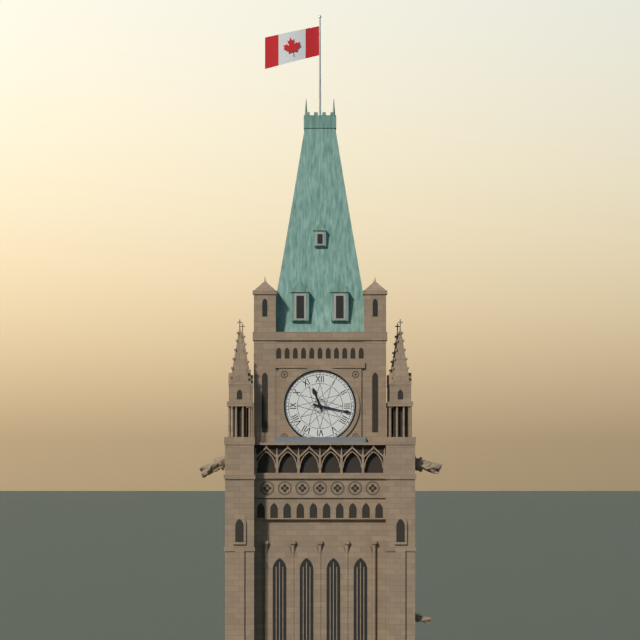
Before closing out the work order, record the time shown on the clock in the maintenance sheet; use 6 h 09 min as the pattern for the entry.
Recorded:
11 h 17 min
